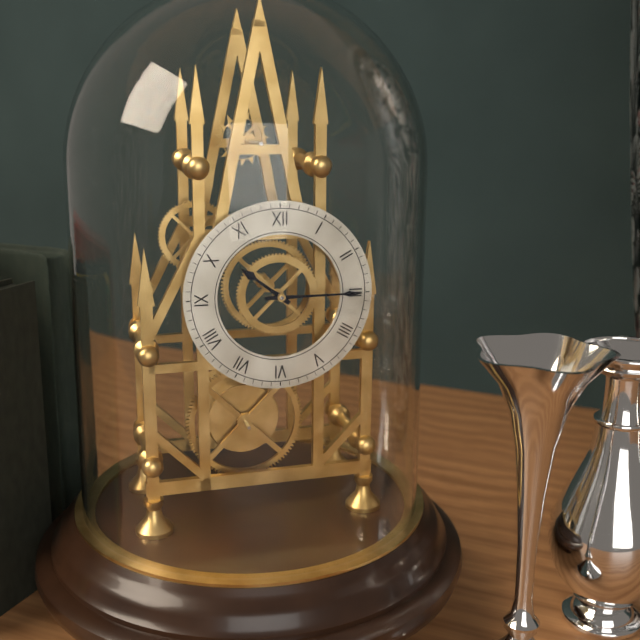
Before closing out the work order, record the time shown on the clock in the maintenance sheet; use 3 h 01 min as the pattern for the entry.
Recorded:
10 h 15 min
